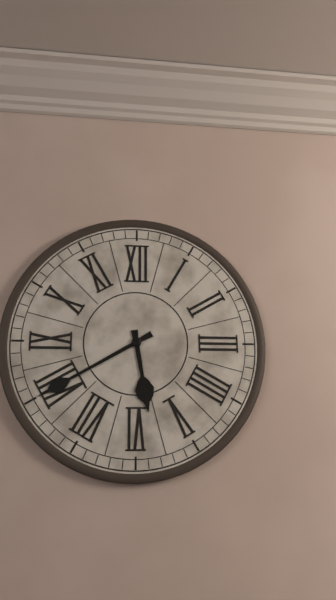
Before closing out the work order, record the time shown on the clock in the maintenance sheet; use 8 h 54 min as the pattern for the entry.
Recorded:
5 h 40 min
